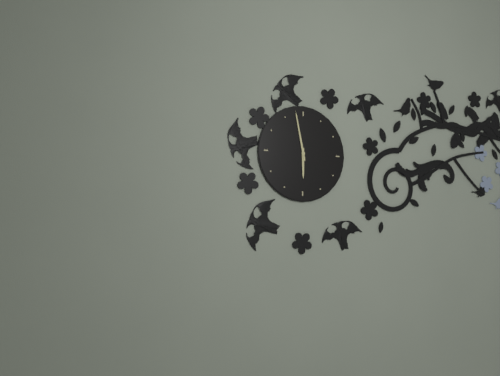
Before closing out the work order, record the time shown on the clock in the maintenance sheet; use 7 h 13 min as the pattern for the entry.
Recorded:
5 h 58 min
